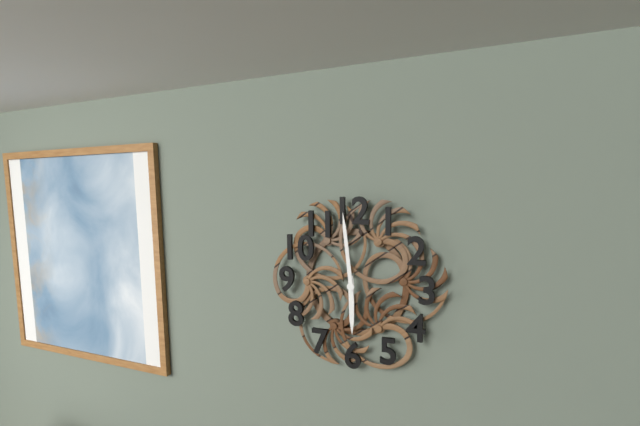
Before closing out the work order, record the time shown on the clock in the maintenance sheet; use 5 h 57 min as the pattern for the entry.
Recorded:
5 h 59 min
